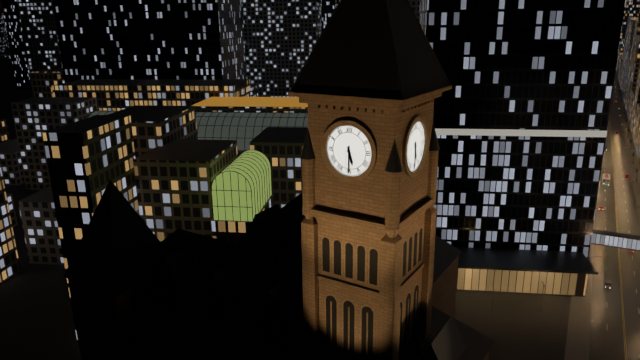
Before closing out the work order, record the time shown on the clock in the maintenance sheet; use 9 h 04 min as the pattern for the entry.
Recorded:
5 h 30 min
